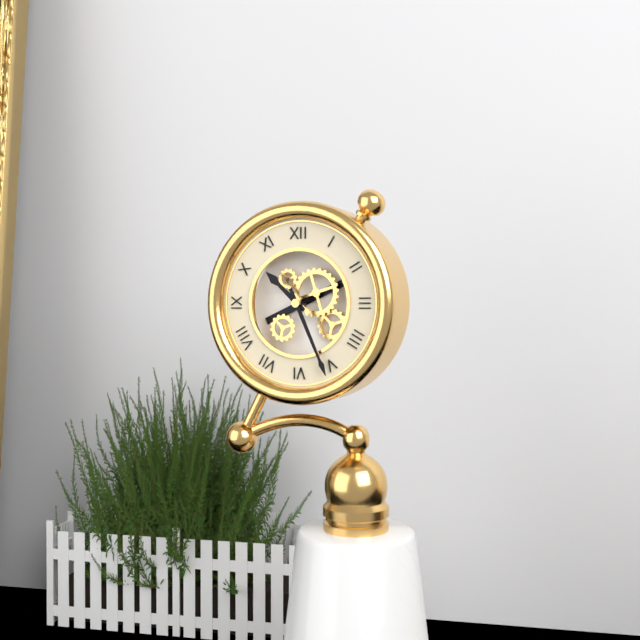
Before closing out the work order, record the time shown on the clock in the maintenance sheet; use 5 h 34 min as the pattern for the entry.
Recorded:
10 h 26 min
